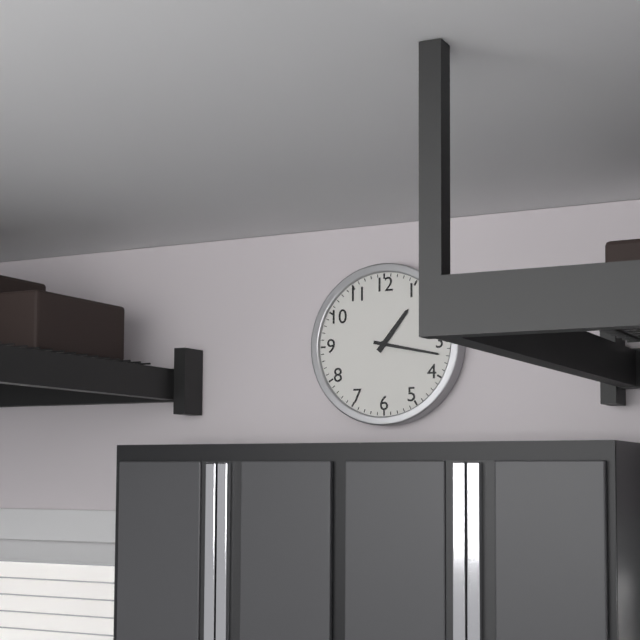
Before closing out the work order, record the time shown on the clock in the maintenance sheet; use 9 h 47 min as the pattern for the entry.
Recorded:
1 h 17 min
